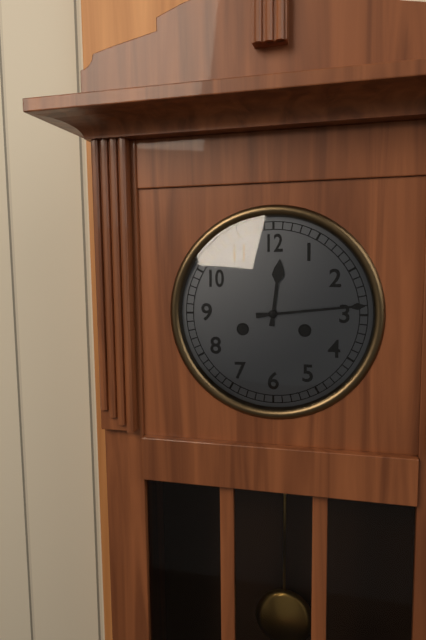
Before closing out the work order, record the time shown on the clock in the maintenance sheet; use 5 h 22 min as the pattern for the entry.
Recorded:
12 h 14 min
